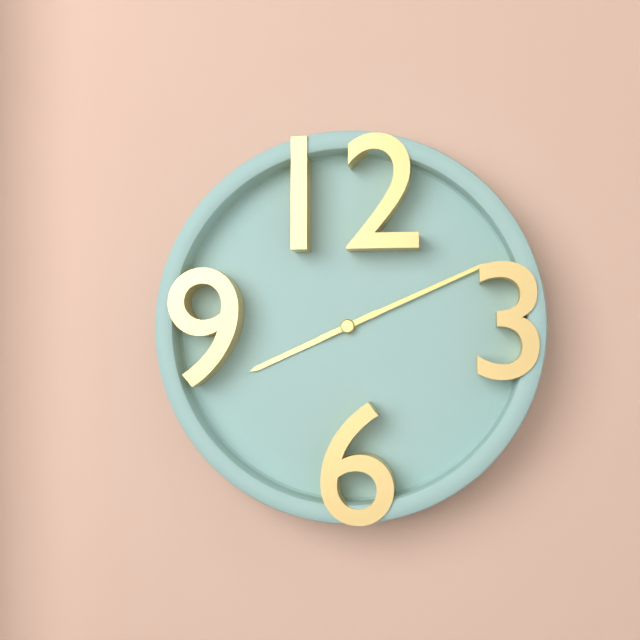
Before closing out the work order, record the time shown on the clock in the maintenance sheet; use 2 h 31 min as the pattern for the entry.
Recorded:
8 h 11 min
